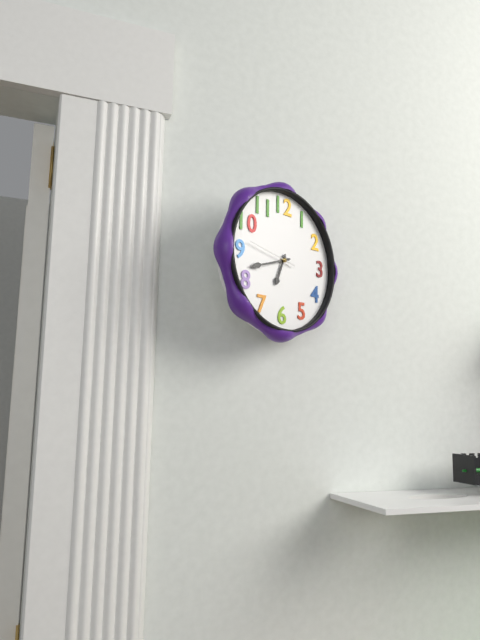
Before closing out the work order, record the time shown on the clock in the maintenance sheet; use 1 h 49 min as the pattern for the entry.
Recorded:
6 h 42 min
